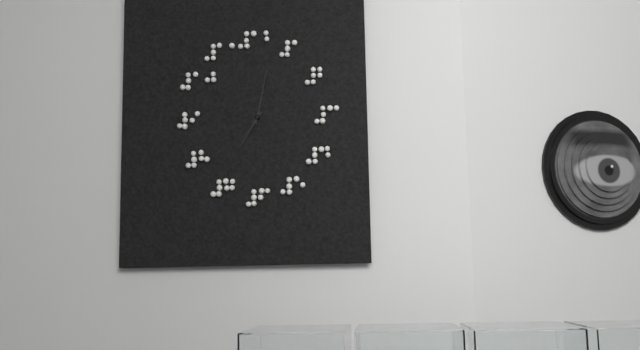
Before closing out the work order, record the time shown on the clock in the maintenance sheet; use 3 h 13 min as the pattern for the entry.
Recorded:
7 h 02 min
